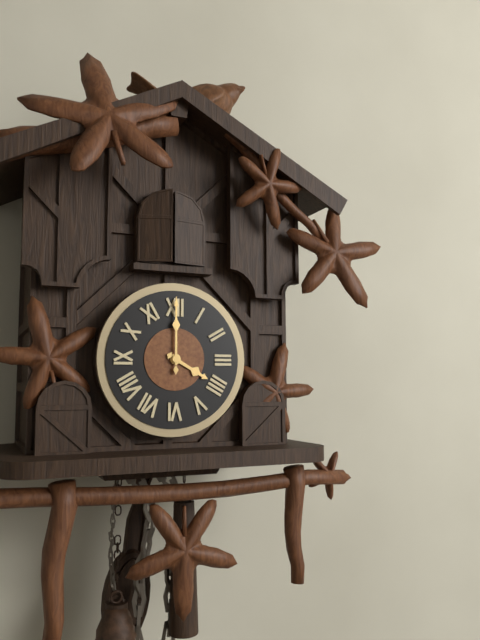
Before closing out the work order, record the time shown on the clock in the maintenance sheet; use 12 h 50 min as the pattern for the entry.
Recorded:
4 h 00 min
